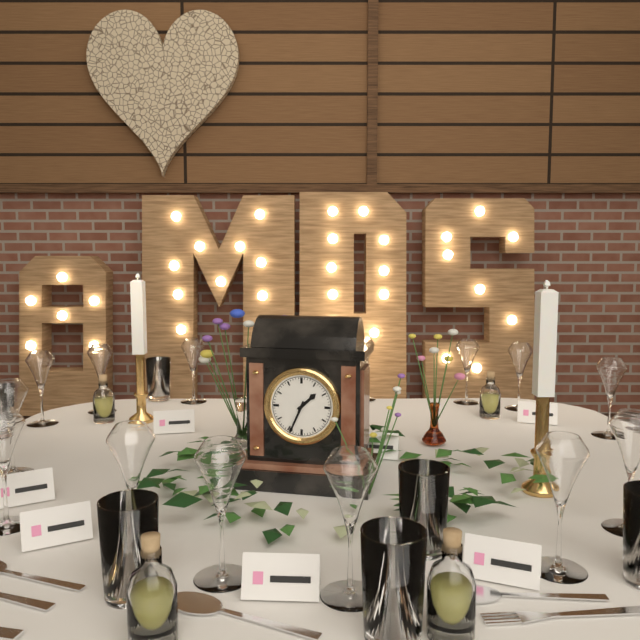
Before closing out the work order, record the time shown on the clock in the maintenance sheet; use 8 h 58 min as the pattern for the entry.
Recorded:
1 h 34 min
